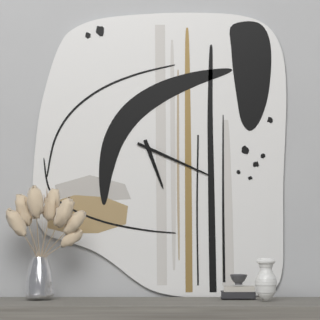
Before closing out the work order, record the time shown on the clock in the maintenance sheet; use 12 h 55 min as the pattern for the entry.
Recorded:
5 h 19 min
